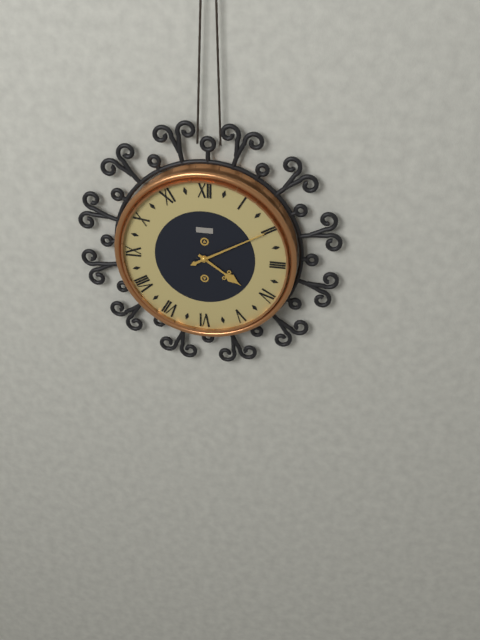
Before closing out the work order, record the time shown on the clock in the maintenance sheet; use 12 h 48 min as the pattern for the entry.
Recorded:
4 h 10 min
